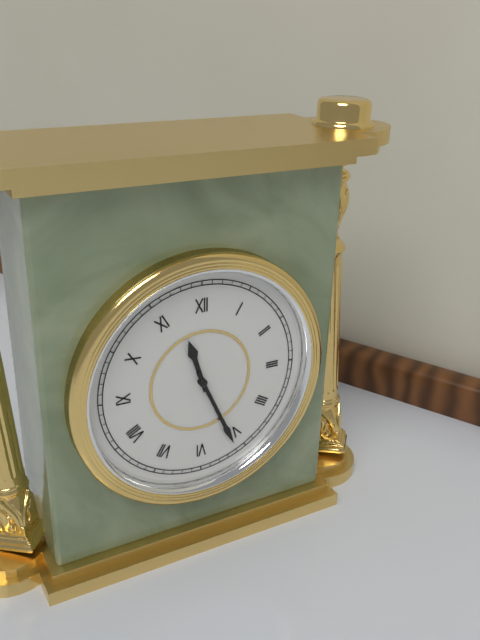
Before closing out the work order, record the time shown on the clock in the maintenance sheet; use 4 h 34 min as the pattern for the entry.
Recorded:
11 h 26 min
